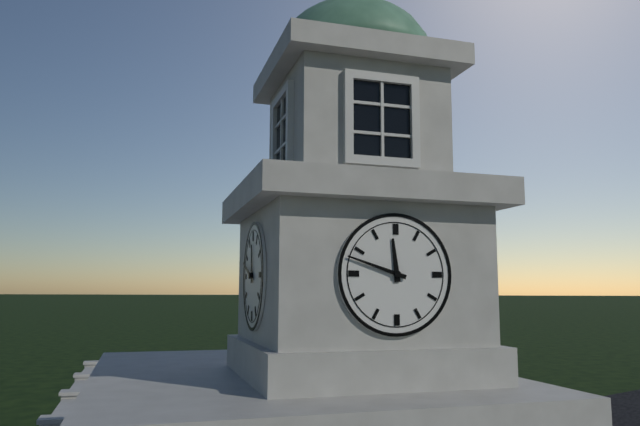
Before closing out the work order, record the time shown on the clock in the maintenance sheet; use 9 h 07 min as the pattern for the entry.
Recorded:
11 h 48 min
